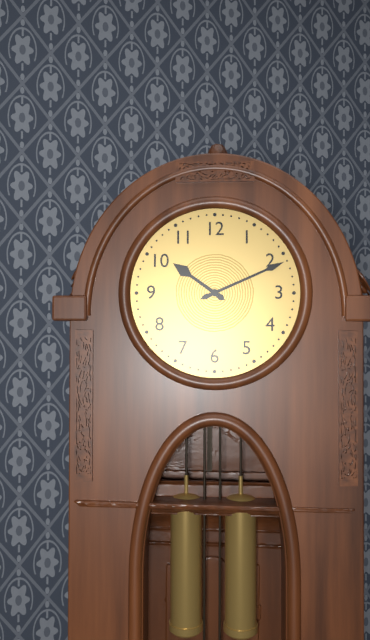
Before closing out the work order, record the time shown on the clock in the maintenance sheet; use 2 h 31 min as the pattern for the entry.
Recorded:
10 h 11 min
